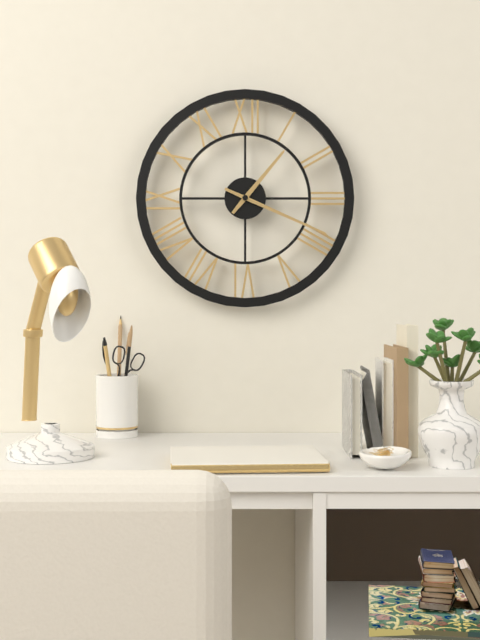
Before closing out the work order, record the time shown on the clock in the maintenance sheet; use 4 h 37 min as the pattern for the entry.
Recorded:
1 h 19 min
